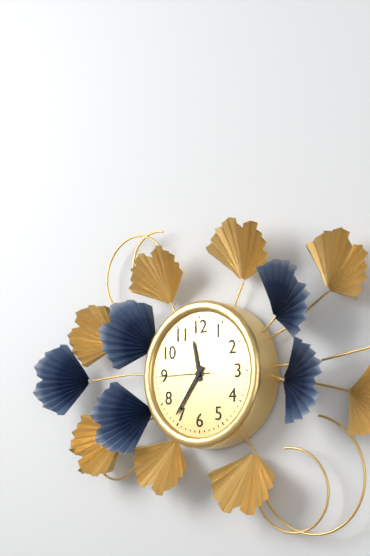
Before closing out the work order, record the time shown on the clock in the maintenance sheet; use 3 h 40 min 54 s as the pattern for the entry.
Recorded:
11 h 36 min 45 s
